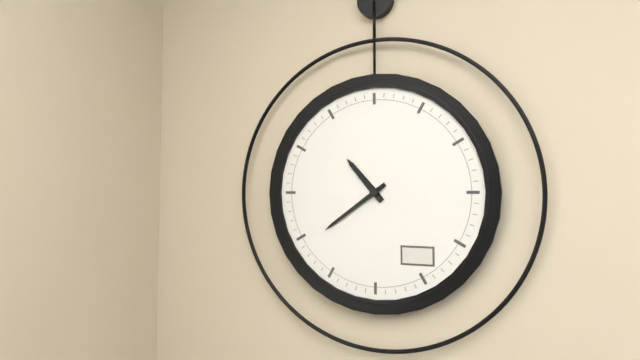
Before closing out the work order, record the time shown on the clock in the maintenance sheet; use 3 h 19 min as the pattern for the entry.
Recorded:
10 h 39 min
